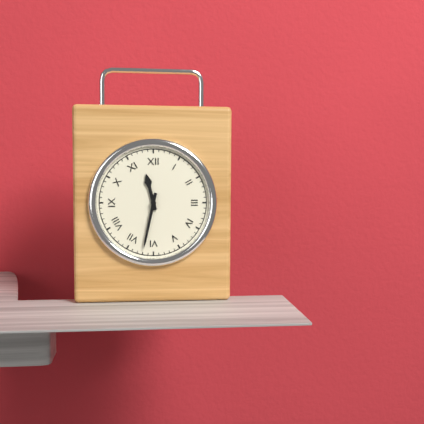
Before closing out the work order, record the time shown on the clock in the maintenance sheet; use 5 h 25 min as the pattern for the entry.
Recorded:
11 h 32 min
